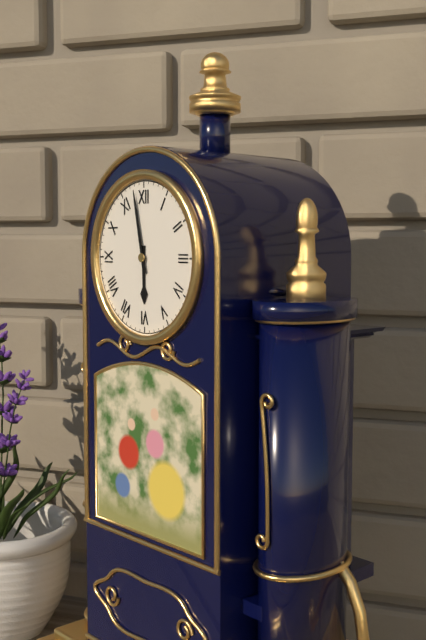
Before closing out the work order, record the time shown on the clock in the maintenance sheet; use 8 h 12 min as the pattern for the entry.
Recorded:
5 h 58 min
